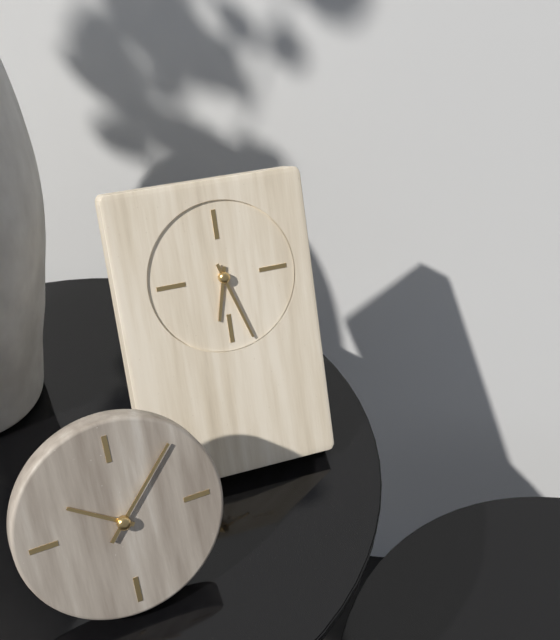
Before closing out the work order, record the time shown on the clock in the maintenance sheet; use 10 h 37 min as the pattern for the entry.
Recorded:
6 h 27 min
